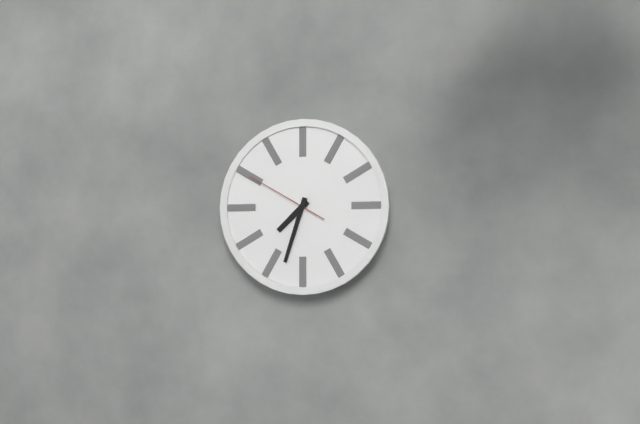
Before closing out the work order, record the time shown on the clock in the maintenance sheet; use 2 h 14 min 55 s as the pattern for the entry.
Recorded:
7 h 33 min 50 s
